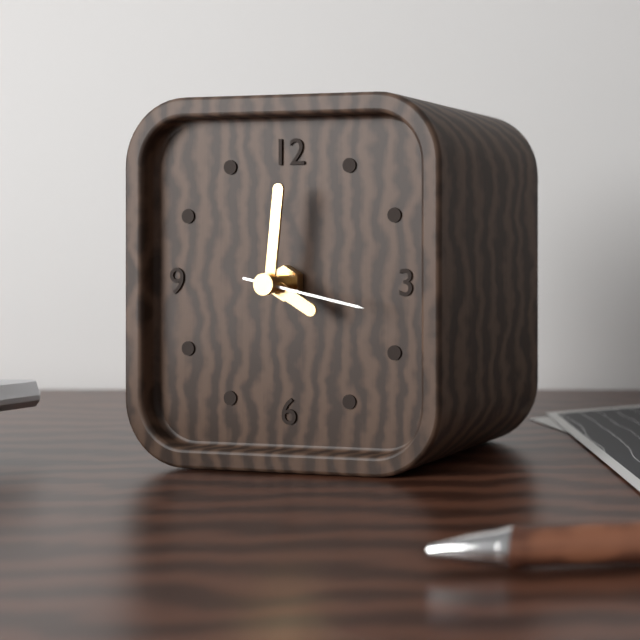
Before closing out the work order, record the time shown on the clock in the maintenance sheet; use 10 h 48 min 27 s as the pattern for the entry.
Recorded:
4 h 01 min 17 s
